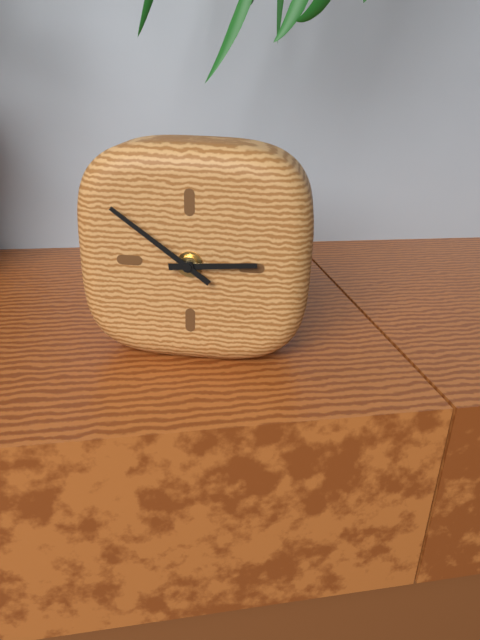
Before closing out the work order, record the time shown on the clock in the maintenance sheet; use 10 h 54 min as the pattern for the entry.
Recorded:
2 h 51 min
